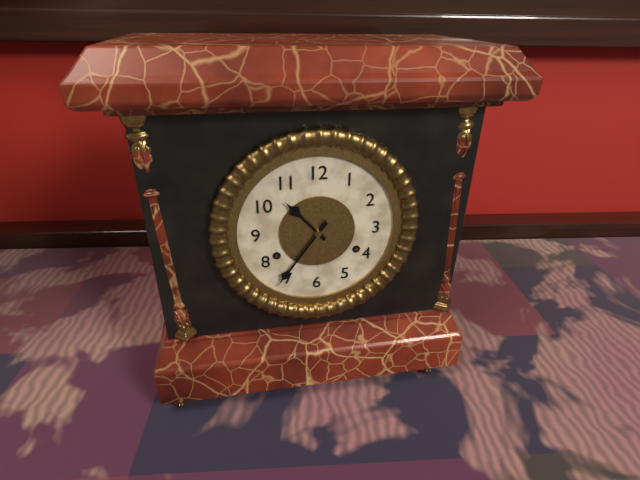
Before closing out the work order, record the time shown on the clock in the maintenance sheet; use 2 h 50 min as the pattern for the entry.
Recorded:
10 h 36 min
